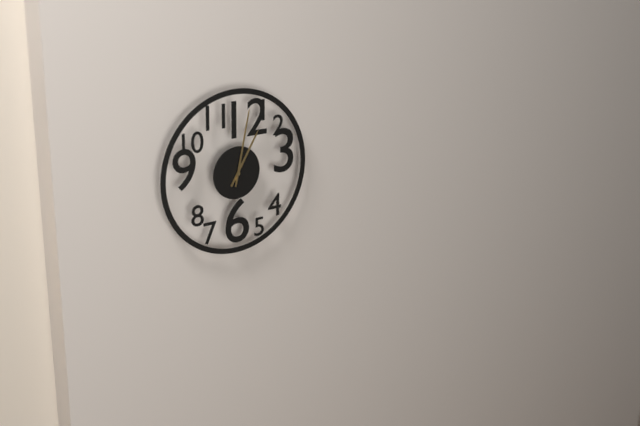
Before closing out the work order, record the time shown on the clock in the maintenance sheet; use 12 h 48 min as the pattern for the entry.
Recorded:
1 h 02 min
